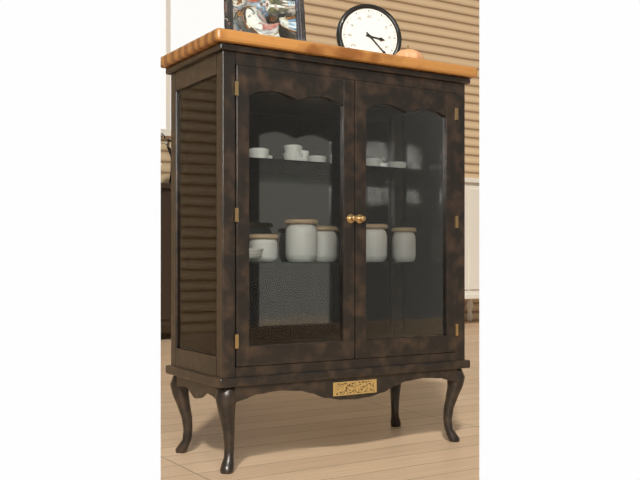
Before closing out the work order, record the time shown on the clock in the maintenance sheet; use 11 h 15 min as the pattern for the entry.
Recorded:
3 h 23 min
